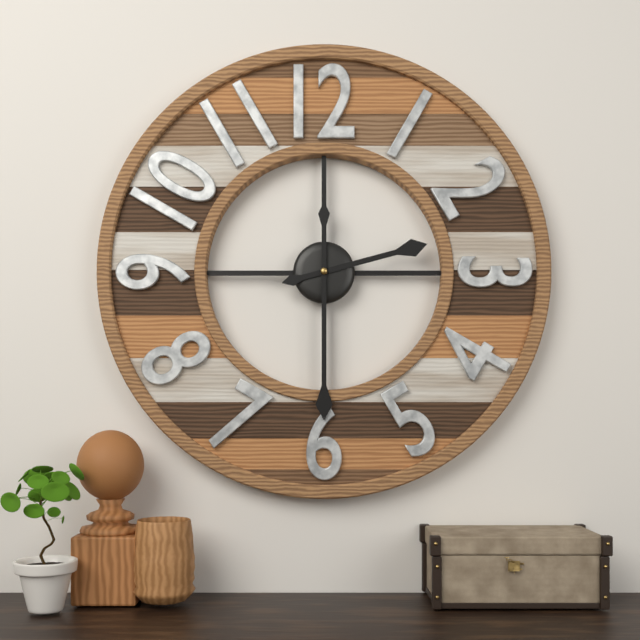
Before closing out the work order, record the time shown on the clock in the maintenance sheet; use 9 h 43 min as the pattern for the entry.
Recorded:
2 h 30 min
